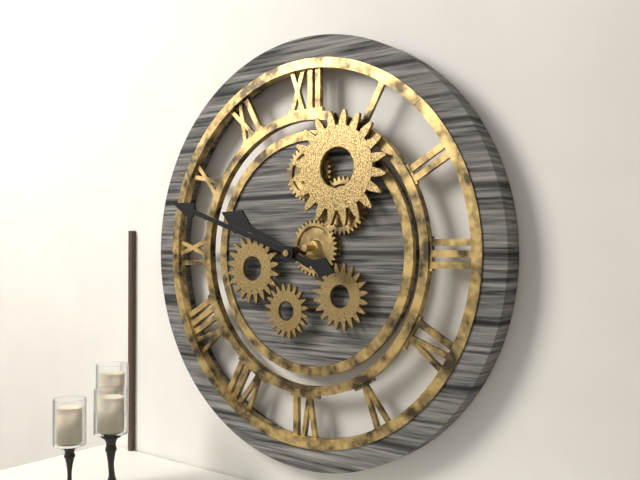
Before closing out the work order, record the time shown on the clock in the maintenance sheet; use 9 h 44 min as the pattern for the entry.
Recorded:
9 h 48 min
